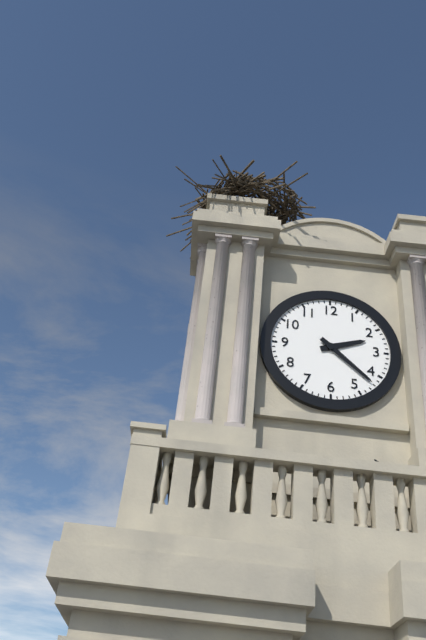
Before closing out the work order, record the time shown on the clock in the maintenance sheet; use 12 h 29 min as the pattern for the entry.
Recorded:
2 h 22 min
